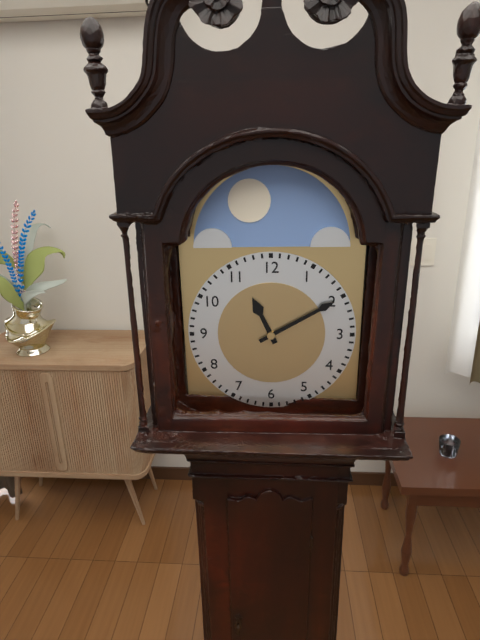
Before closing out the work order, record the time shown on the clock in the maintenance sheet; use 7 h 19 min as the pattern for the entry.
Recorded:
11 h 10 min
